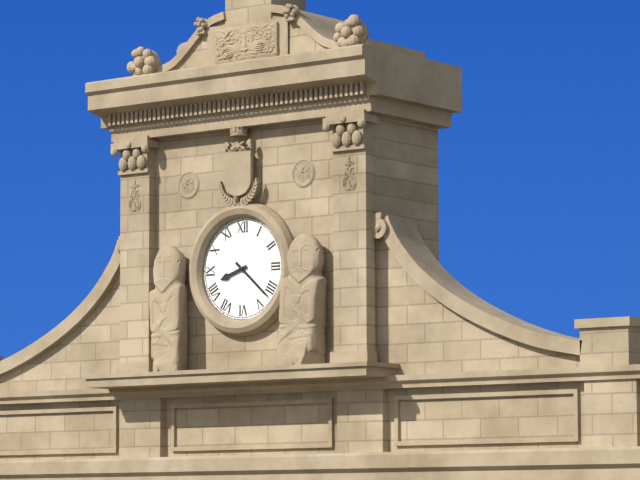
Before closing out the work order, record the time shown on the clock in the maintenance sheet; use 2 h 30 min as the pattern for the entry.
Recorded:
8 h 22 min
